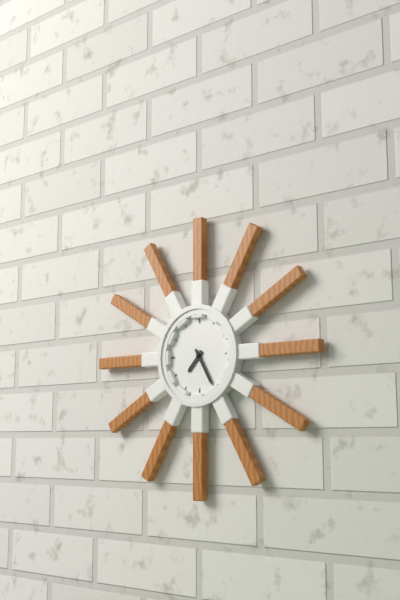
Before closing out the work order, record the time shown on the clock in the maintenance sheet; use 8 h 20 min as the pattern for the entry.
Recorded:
7 h 25 min
